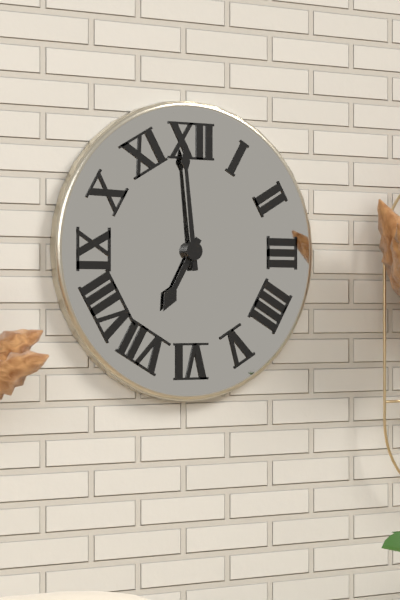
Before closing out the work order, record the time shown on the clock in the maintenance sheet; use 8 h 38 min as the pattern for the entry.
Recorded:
6 h 59 min
